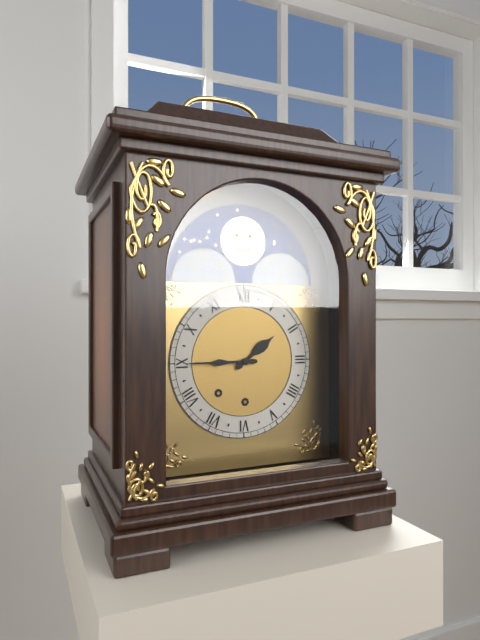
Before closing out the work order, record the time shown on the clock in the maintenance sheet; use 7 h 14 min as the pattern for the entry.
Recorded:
1 h 45 min
